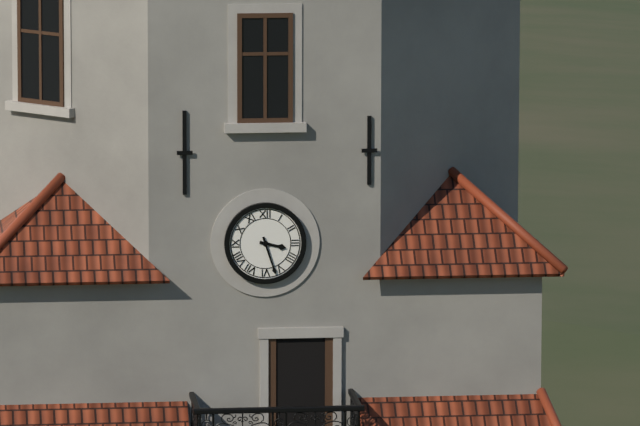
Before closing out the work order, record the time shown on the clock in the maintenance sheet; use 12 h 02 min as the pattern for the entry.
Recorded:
3 h 27 min
